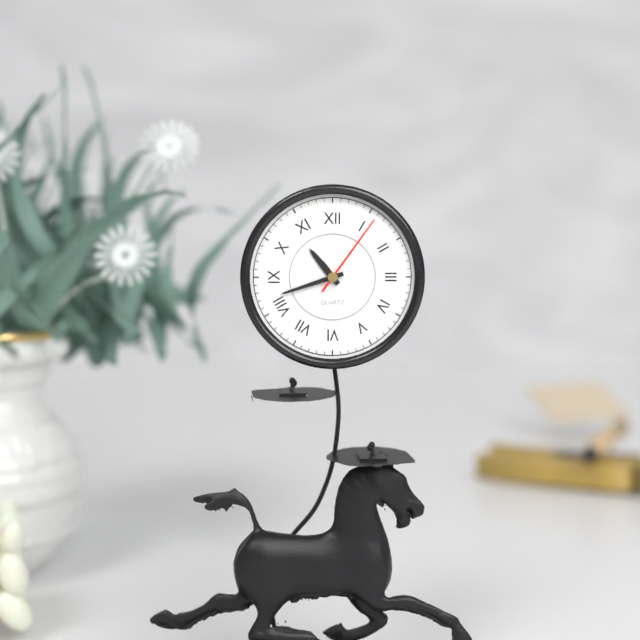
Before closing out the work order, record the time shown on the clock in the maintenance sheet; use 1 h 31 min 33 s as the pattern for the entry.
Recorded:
10 h 42 min 06 s
